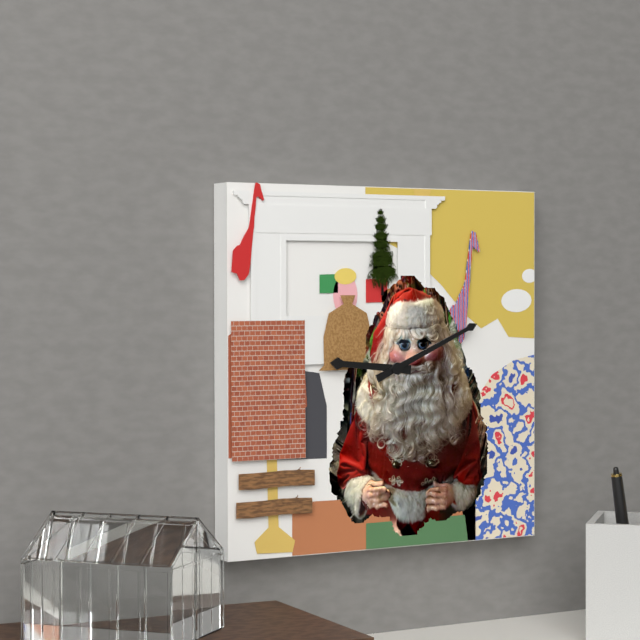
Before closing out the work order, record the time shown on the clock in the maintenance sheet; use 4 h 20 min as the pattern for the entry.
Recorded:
9 h 11 min
